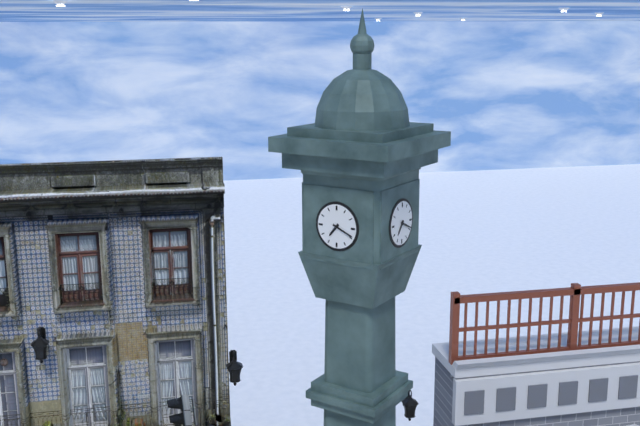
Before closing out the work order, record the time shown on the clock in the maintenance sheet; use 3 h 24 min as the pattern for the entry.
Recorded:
7 h 19 min
